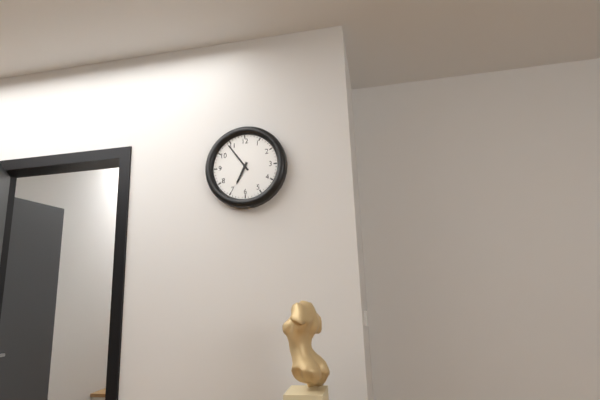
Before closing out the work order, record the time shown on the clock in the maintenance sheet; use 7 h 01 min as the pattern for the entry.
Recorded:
6 h 54 min
